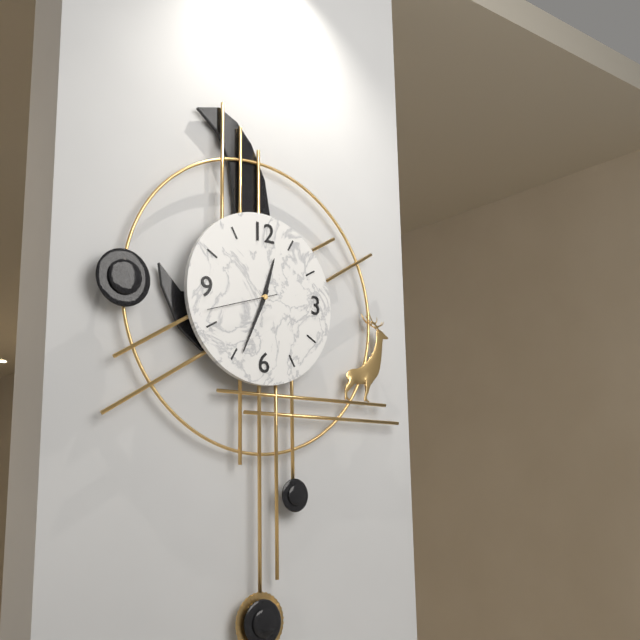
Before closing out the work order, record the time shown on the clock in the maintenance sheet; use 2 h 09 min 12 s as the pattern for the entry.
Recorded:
12 h 34 min 42 s
